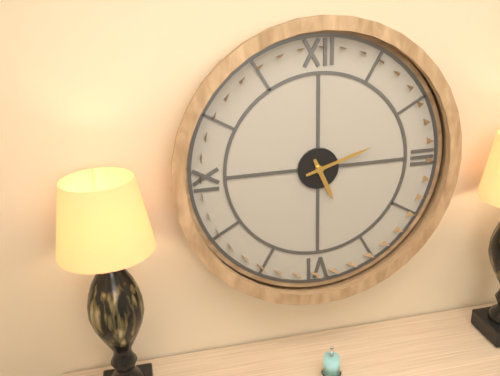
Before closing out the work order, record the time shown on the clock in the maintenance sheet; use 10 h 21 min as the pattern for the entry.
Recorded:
5 h 12 min
